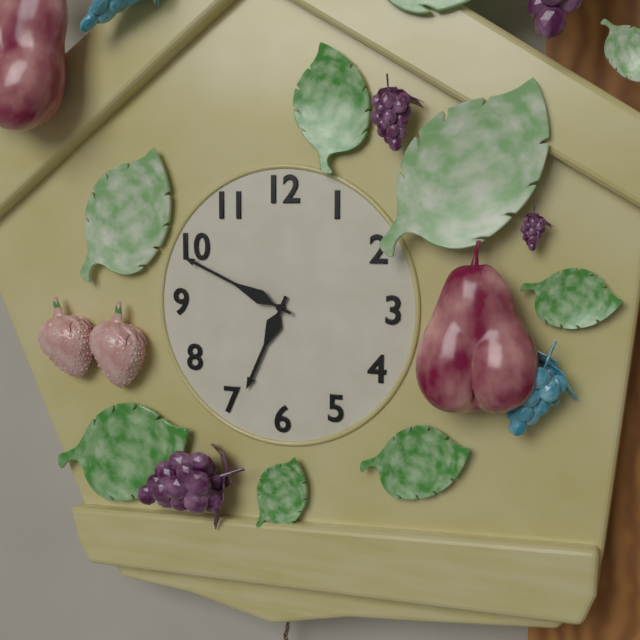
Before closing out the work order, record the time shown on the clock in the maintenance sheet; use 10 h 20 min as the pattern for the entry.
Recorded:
6 h 49 min
